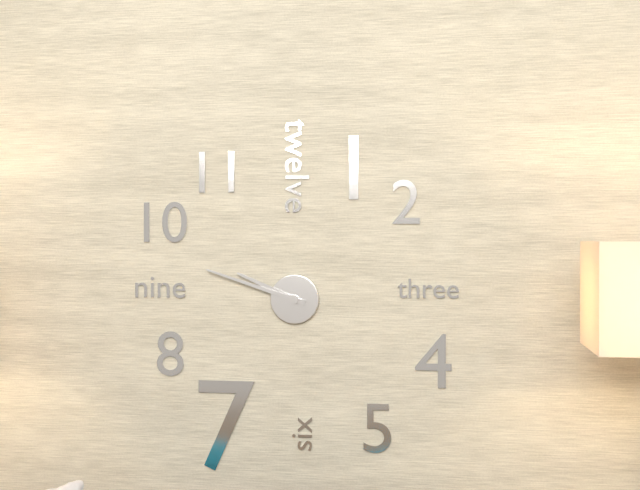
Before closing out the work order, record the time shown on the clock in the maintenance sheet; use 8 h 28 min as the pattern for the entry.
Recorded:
9 h 48 min
